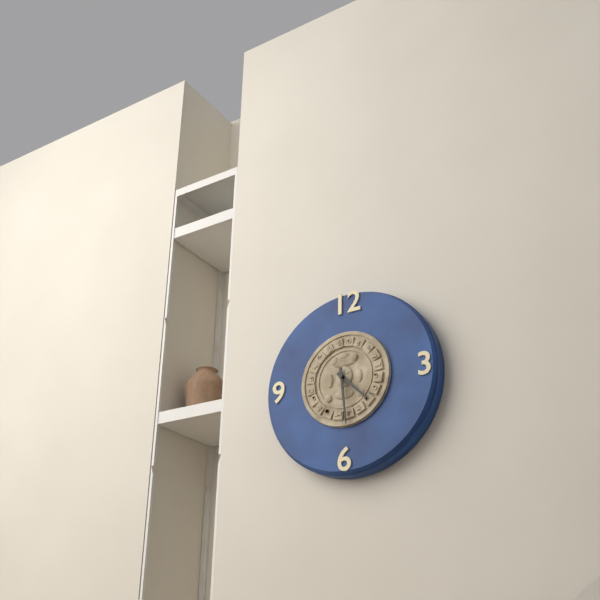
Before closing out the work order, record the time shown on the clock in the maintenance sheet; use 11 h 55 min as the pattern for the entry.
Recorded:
4 h 29 min
